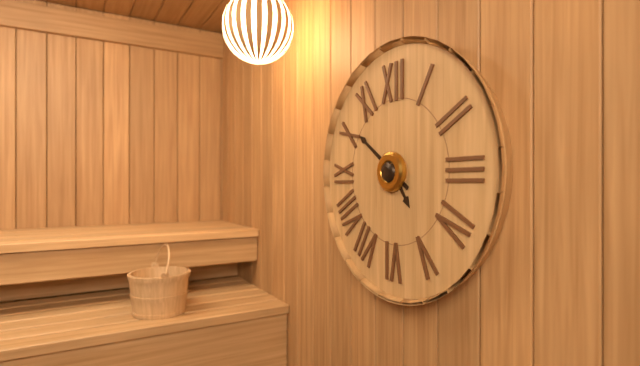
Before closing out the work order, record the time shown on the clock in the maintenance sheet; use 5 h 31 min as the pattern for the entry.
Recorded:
4 h 51 min
